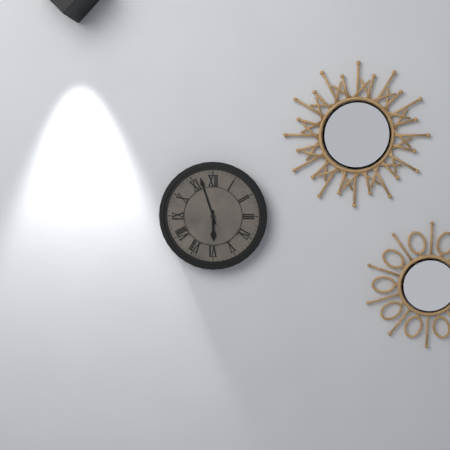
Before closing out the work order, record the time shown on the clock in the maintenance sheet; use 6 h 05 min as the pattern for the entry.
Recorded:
5 h 57 min
